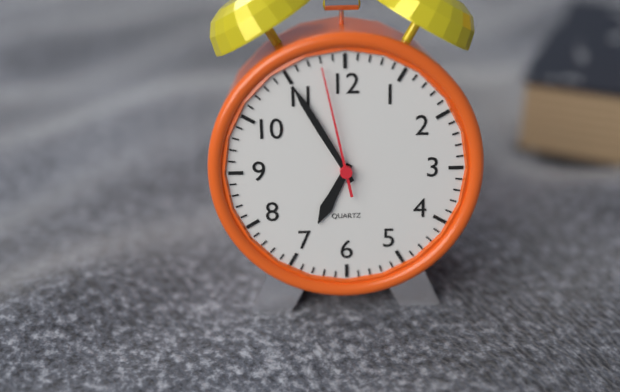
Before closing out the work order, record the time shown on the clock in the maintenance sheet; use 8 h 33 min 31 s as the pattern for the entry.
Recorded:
6 h 55 min 58 s
